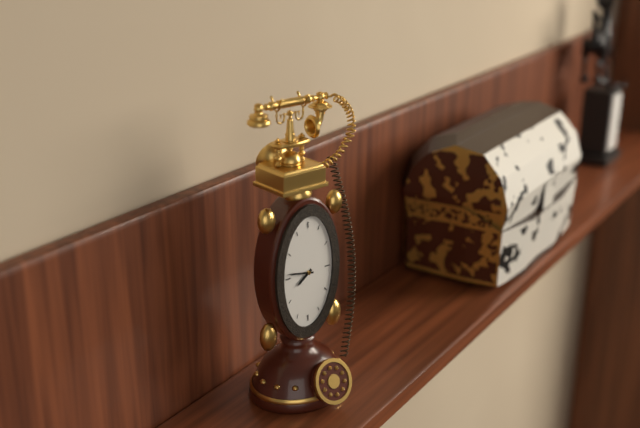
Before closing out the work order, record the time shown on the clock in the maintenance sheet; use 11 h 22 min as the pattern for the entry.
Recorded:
7 h 47 min
